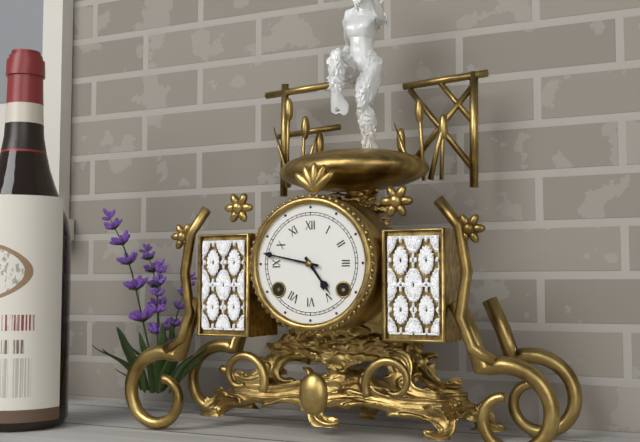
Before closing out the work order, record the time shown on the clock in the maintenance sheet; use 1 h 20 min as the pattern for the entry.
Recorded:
4 h 47 min
